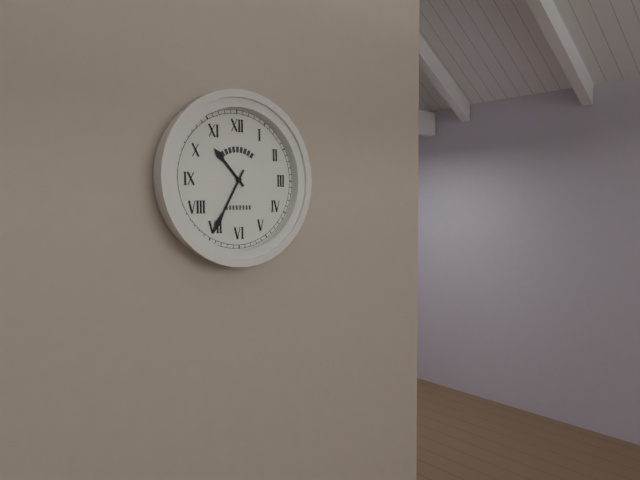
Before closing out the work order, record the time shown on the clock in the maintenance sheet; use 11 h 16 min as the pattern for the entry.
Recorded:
10 h 35 min
